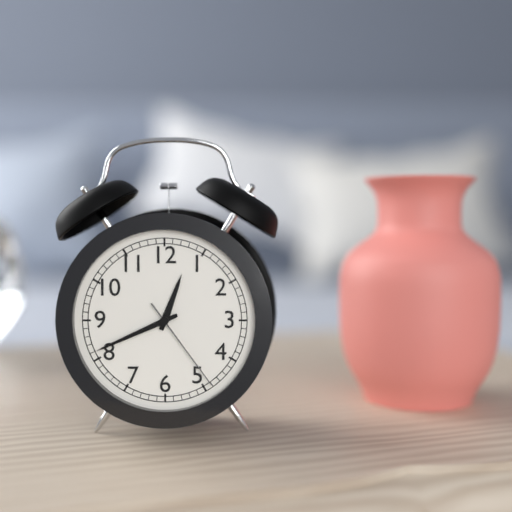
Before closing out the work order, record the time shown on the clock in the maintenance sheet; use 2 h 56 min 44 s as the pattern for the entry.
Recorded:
12 h 41 min 24 s
